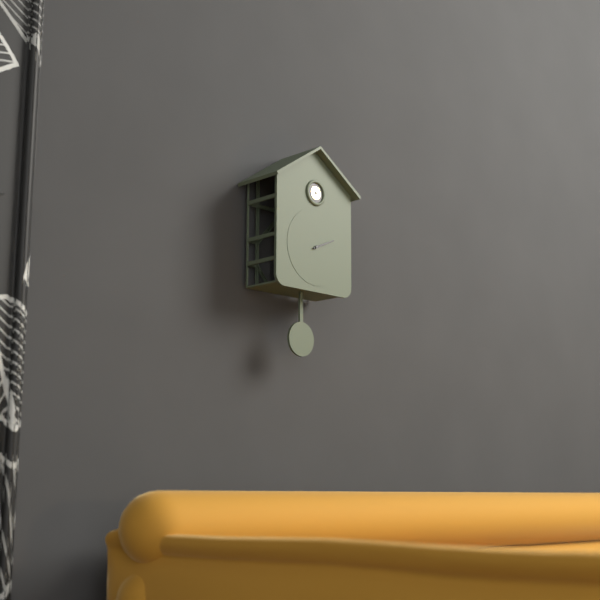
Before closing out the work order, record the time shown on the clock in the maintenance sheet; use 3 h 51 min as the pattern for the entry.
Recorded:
2 h 11 min
